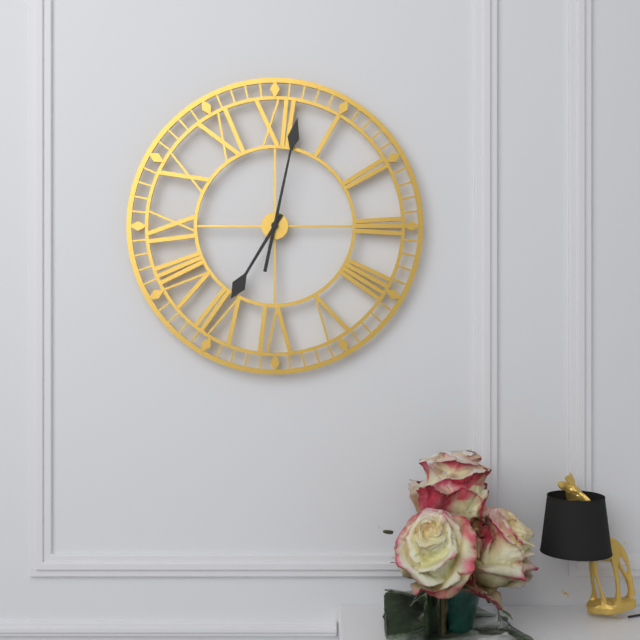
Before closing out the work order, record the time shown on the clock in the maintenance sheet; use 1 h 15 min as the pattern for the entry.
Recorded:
7 h 02 min
